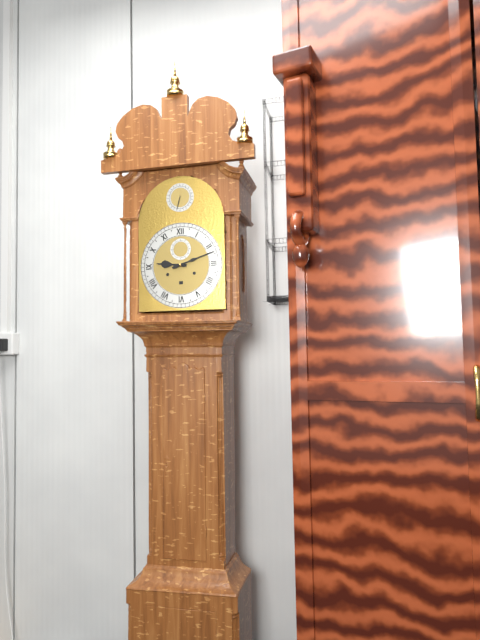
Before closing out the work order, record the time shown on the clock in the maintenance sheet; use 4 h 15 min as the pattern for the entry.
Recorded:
9 h 12 min
